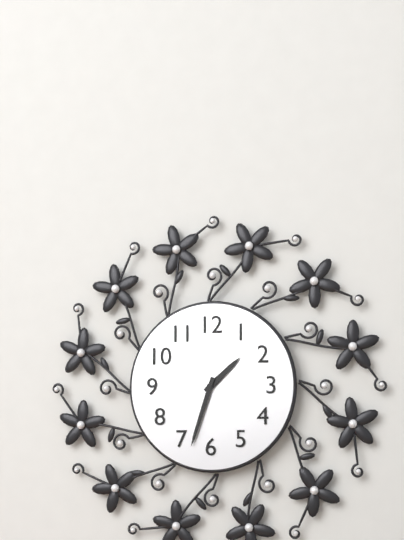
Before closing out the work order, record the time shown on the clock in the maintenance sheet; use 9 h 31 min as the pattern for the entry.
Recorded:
1 h 33 min
